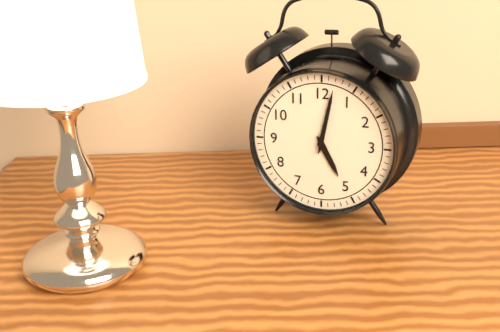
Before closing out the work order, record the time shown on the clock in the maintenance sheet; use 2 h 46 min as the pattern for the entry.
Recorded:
5 h 02 min
